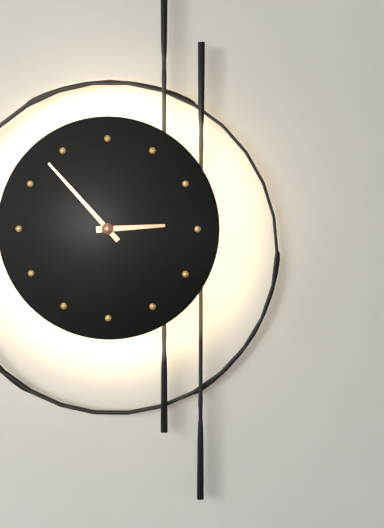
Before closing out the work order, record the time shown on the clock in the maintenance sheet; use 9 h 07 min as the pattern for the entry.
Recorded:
2 h 53 min
